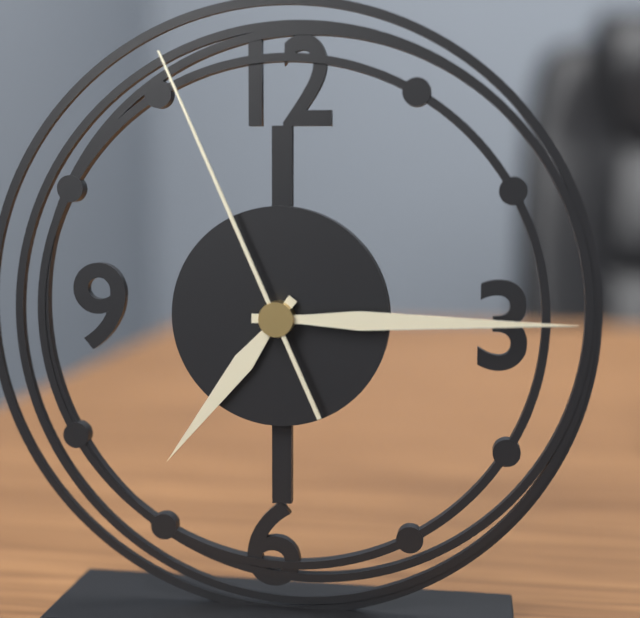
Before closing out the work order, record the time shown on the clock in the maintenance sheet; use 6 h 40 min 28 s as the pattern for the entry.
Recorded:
7 h 15 min 56 s
